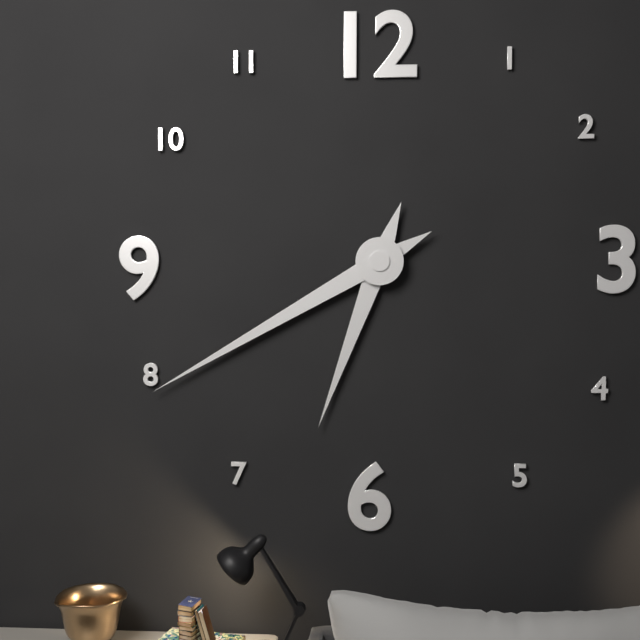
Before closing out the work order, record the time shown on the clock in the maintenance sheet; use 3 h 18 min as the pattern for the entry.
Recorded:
6 h 40 min
